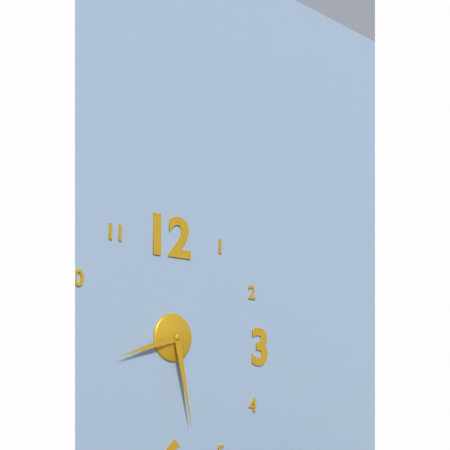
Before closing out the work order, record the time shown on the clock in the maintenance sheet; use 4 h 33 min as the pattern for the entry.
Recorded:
8 h 28 min
